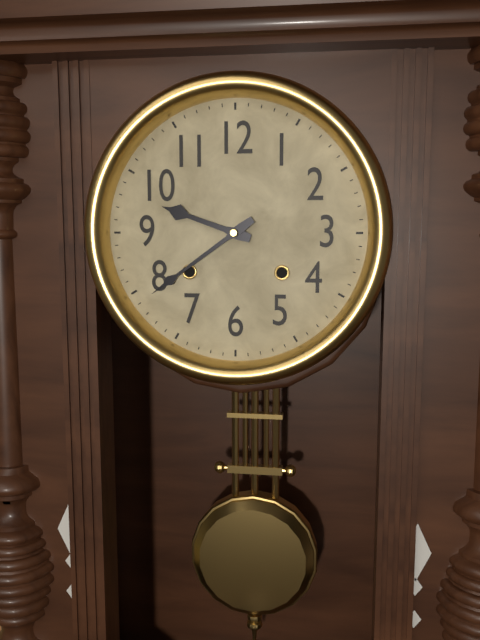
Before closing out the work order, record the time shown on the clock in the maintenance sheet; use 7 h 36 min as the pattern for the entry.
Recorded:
9 h 39 min
